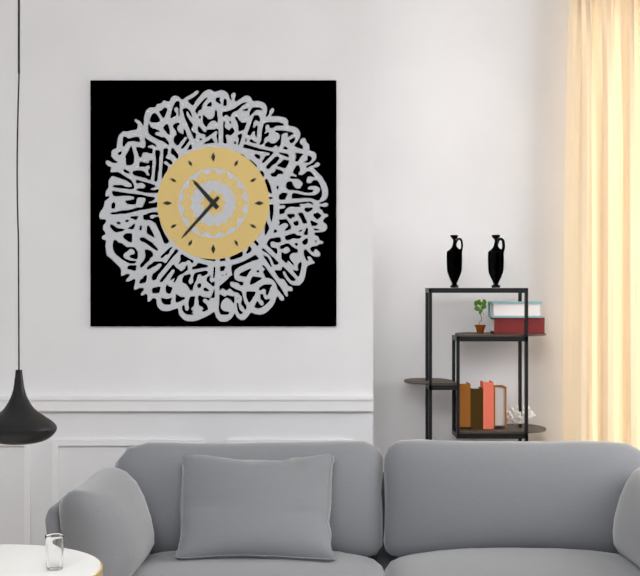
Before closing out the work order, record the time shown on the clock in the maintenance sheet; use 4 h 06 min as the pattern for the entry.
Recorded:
10 h 37 min
